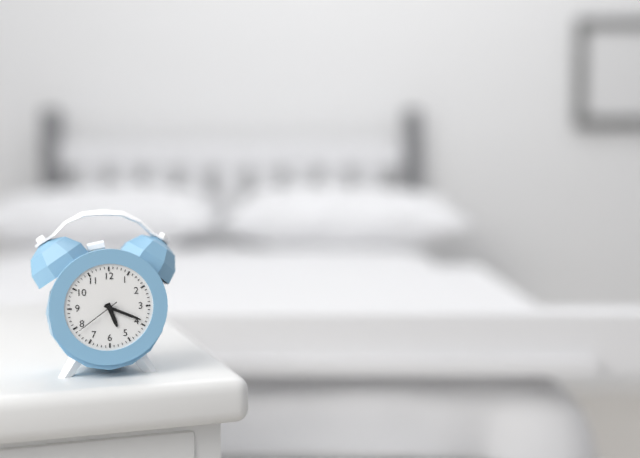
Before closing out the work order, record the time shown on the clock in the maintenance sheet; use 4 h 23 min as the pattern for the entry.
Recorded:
5 h 19 min
